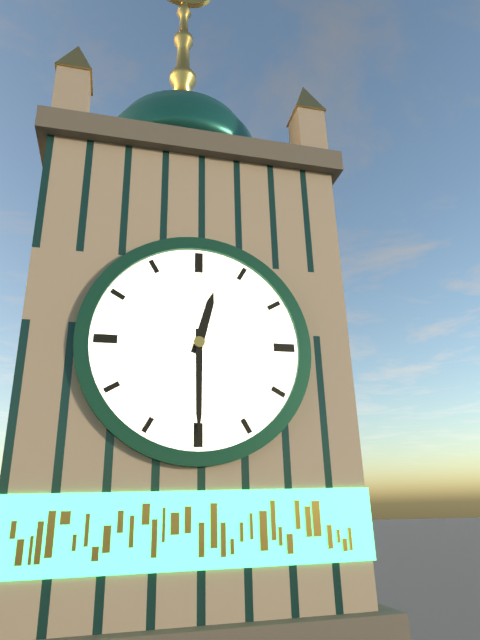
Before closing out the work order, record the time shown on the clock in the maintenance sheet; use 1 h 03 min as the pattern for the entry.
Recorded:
12 h 30 min
